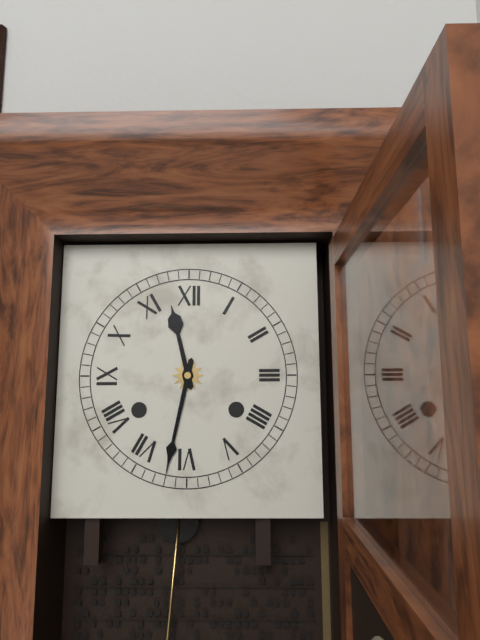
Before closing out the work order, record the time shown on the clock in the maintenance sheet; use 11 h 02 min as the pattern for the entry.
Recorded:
11 h 32 min
